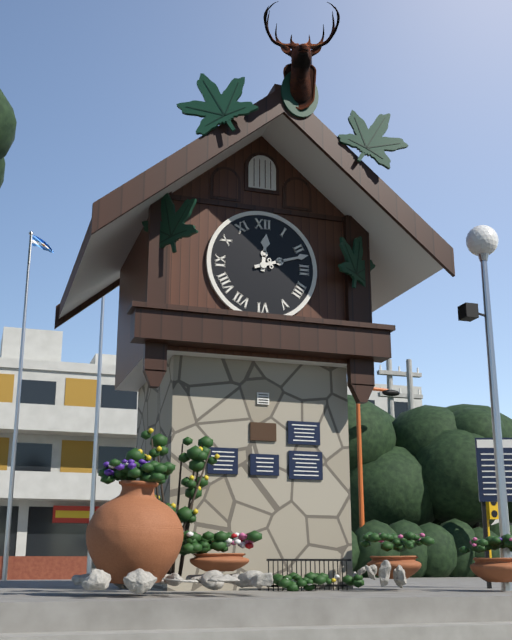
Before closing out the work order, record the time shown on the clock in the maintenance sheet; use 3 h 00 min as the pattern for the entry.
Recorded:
12 h 12 min
